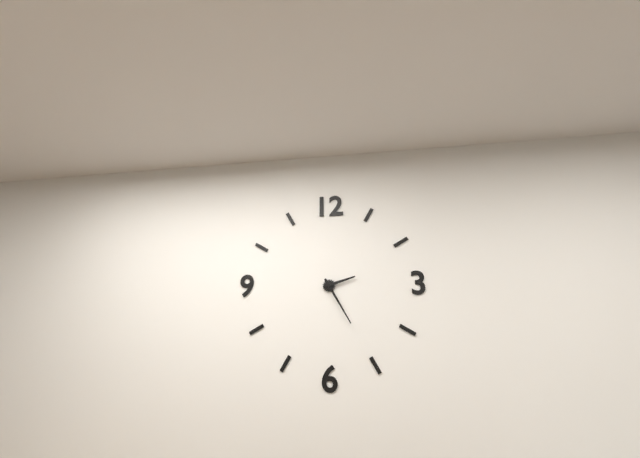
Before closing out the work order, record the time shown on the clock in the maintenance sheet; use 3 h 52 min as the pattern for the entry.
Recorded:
2 h 25 min
